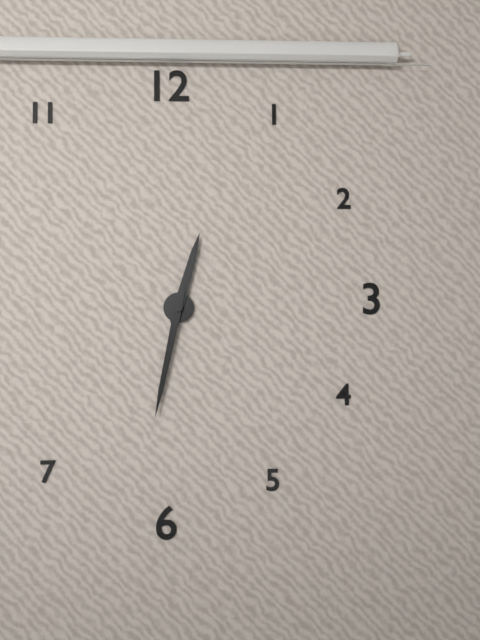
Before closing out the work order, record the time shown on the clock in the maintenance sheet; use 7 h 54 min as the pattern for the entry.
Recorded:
12 h 32 min
